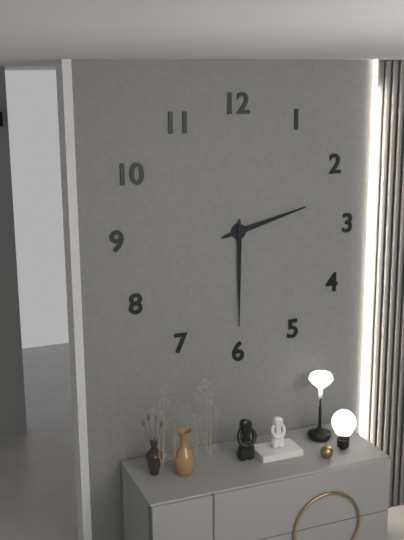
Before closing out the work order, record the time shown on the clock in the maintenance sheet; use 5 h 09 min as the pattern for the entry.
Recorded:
2 h 30 min
